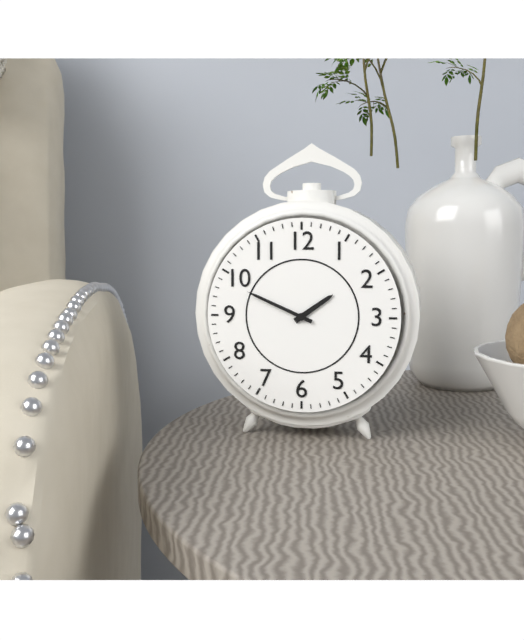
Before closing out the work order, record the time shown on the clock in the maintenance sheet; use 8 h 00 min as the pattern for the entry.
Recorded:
1 h 49 min
